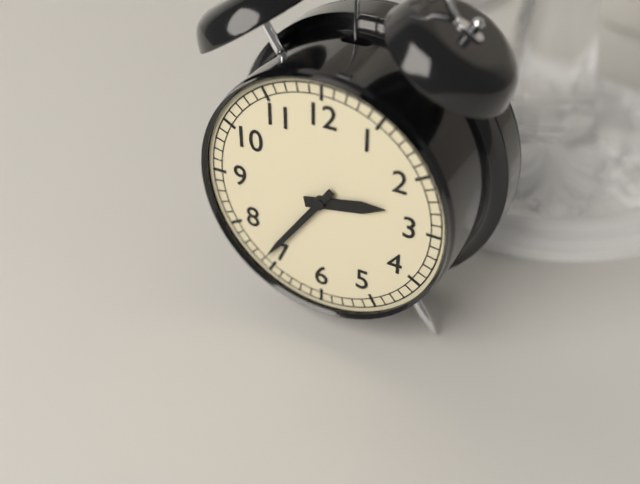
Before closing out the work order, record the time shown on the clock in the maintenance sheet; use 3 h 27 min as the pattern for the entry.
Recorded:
2 h 36 min
